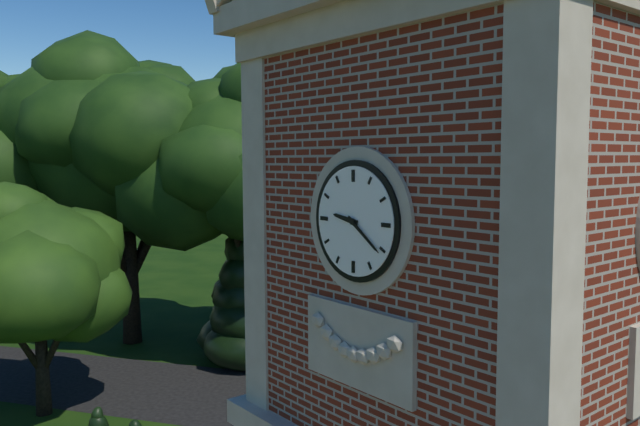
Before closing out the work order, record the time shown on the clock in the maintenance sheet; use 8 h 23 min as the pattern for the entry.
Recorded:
9 h 21 min
